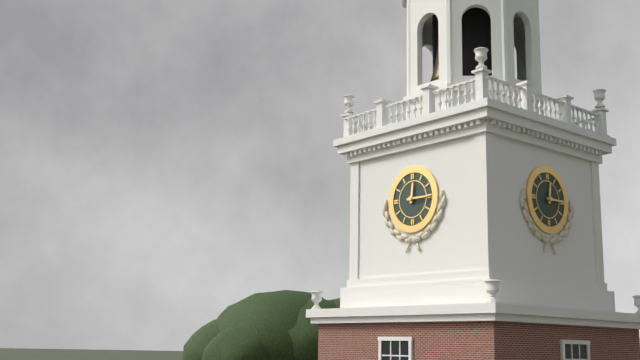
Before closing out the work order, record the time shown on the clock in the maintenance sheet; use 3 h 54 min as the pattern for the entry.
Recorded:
12 h 15 min
